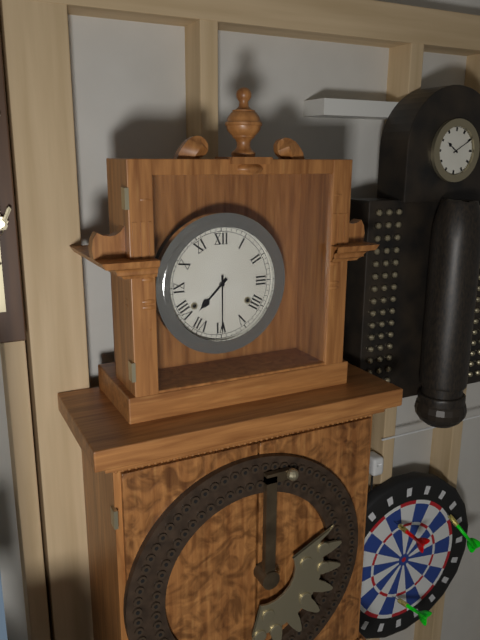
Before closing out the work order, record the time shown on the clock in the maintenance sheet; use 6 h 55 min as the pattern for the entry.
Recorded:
7 h 30 min
